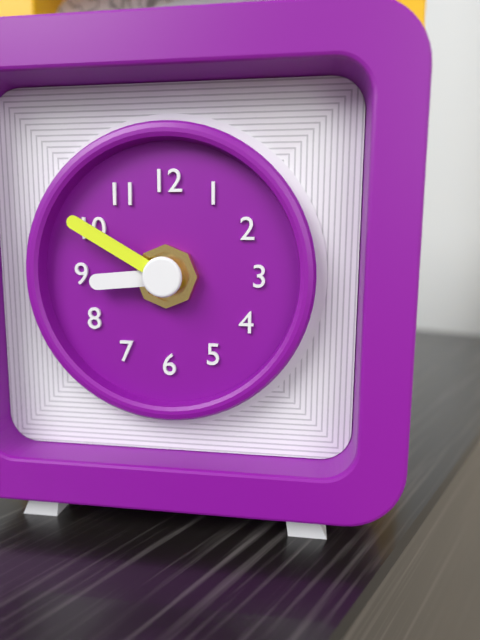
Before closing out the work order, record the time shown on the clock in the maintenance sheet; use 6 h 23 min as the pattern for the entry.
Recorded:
8 h 50 min
